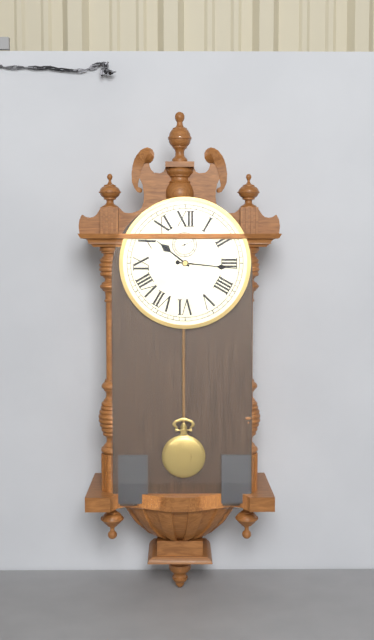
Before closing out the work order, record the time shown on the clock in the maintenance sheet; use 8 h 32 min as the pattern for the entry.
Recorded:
10 h 16 min
